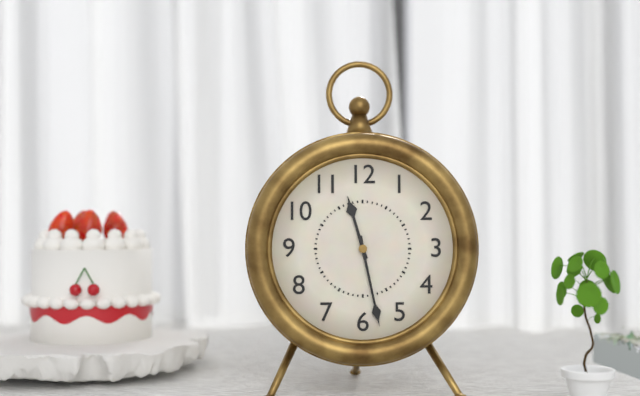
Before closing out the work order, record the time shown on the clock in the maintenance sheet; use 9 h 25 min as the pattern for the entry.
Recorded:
11 h 28 min
